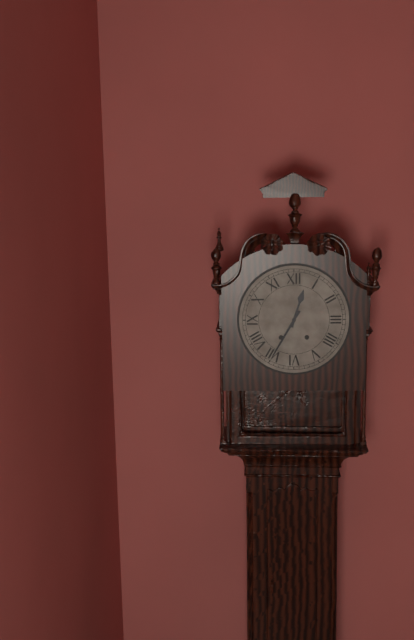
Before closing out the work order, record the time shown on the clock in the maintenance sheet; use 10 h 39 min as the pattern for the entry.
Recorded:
12 h 35 min
